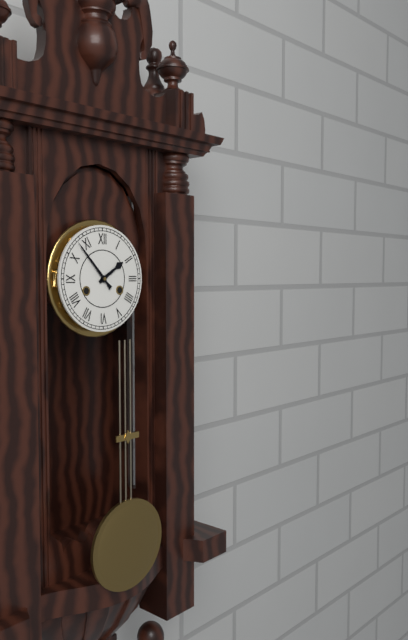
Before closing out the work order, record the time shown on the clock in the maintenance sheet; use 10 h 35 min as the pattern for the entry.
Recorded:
1 h 53 min
